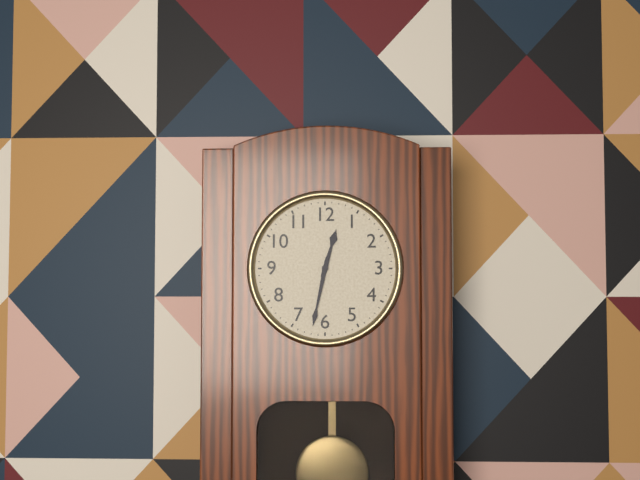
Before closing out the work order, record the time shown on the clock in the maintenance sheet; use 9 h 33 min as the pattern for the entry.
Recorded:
12 h 32 min
